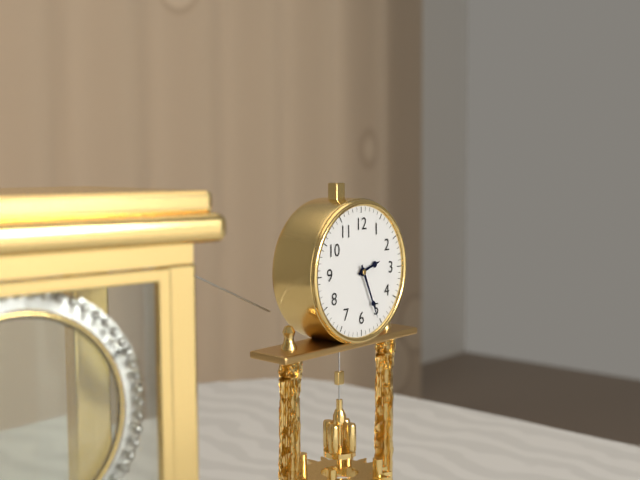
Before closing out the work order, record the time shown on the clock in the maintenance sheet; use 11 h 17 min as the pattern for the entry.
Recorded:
2 h 26 min
